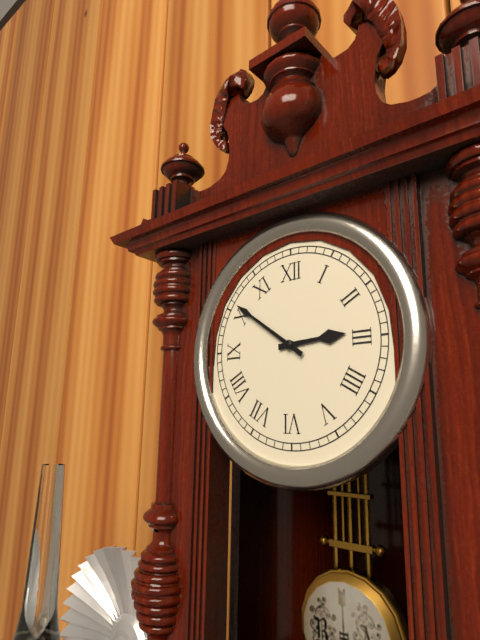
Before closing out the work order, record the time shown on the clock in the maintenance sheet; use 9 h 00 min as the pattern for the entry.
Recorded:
2 h 51 min
